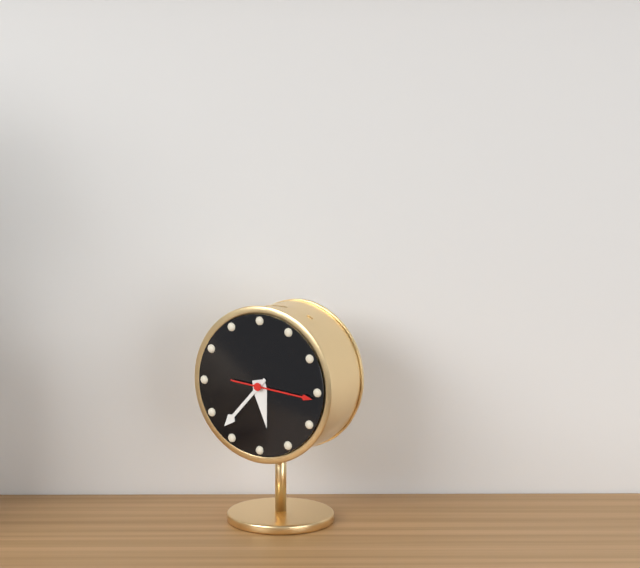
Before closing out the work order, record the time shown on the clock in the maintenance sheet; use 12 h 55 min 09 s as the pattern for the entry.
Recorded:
5 h 37 min 16 s
